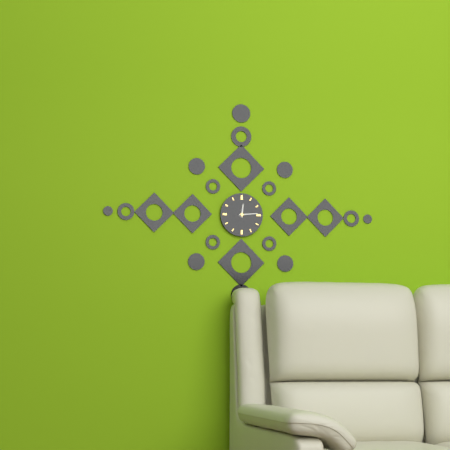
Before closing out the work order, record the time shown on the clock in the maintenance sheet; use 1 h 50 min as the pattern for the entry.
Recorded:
12 h 14 min
